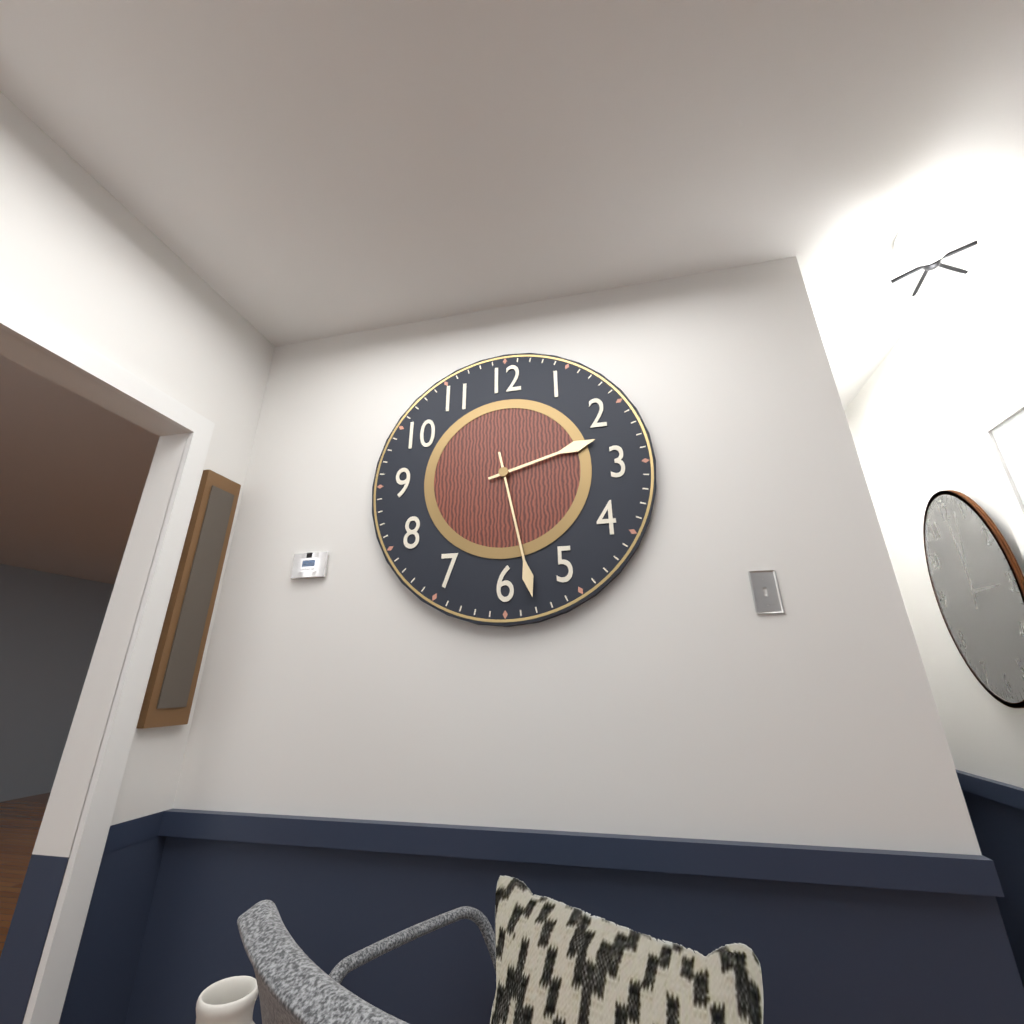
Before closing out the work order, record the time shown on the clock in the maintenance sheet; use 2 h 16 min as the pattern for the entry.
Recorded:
2 h 28 min
